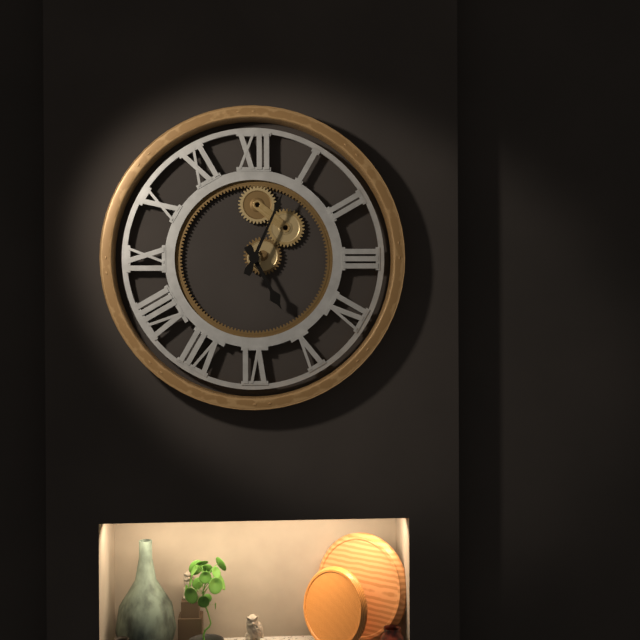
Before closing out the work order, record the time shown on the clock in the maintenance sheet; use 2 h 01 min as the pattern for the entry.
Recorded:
5 h 04 min
